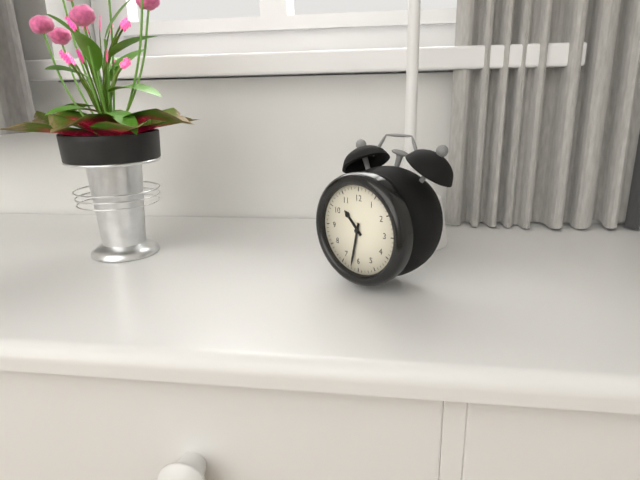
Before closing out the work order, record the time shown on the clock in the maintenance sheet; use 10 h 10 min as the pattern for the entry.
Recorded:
10 h 32 min
